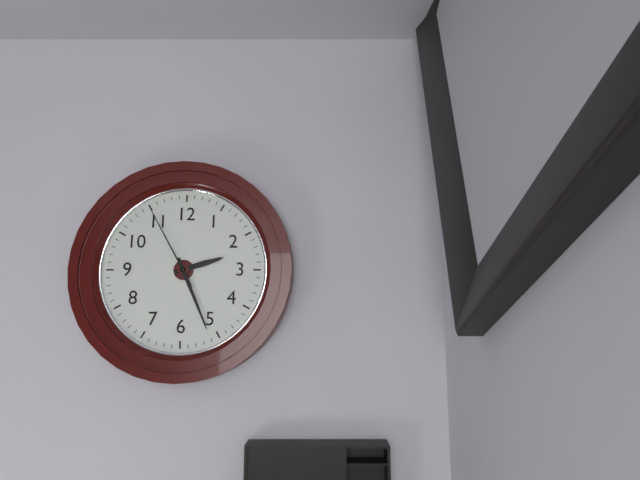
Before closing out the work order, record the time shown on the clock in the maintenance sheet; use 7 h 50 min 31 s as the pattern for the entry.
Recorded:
2 h 26 min 55 s
